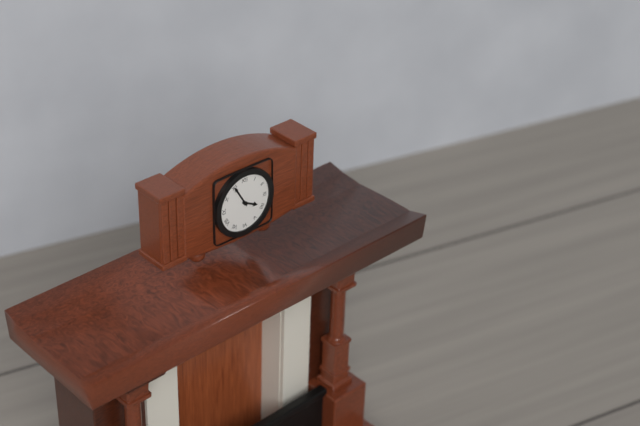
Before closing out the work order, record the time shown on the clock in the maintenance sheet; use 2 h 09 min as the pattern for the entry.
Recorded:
3 h 55 min
